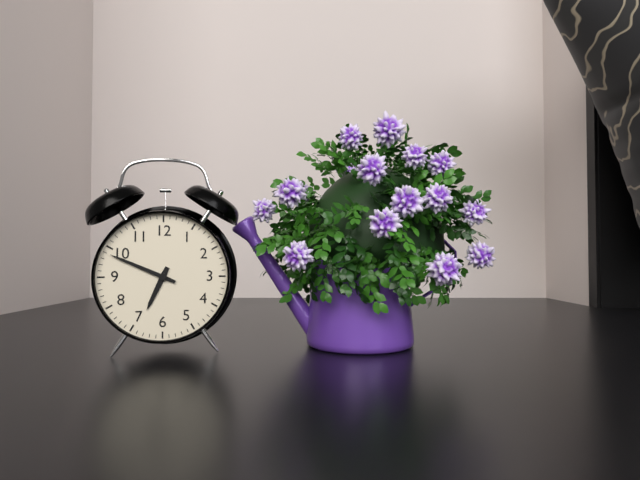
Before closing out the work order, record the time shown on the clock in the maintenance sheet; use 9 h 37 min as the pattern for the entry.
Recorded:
6 h 49 min
